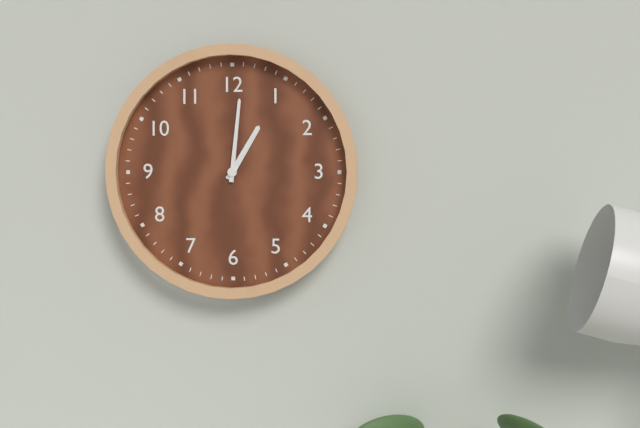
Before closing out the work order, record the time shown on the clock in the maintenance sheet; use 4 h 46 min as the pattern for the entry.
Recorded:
1 h 01 min
